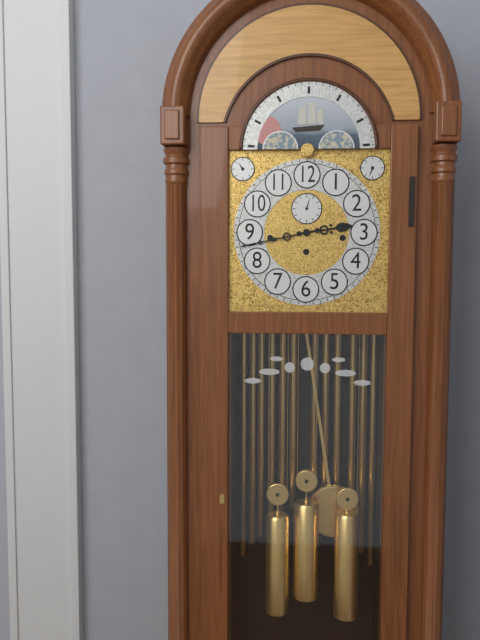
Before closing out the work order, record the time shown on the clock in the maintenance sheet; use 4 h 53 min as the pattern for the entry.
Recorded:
2 h 43 min
